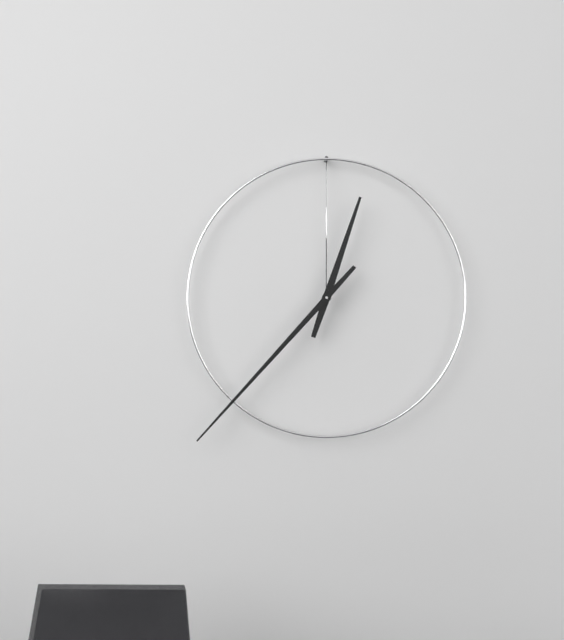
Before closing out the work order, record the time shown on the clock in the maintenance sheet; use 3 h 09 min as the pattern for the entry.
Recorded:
12 h 37 min
